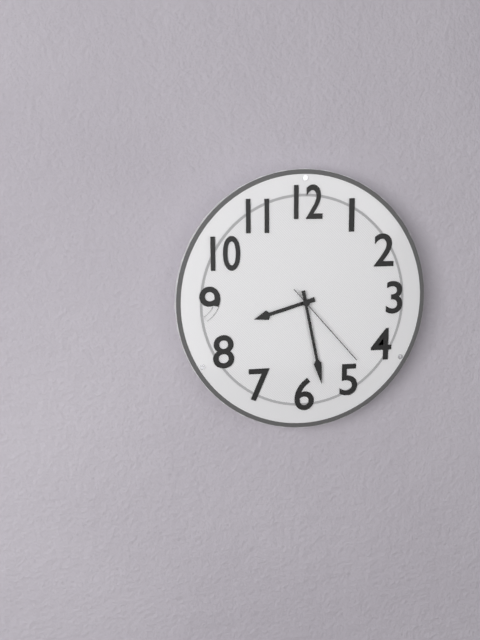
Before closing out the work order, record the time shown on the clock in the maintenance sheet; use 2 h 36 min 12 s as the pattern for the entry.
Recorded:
8 h 28 min 23 s
